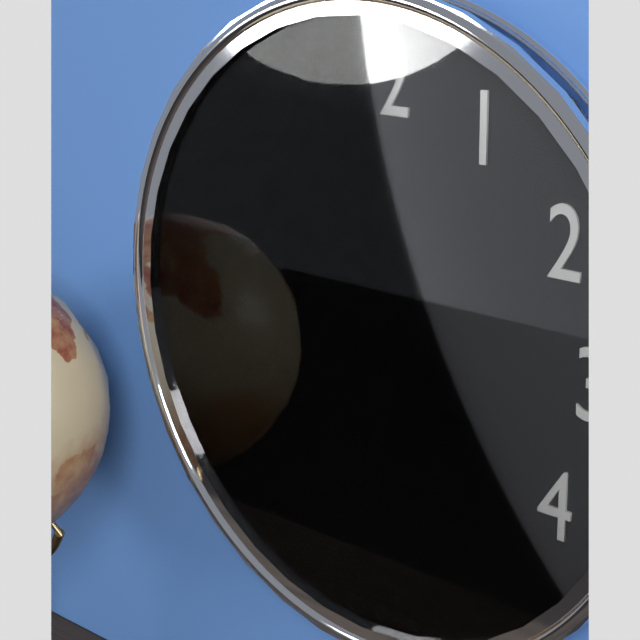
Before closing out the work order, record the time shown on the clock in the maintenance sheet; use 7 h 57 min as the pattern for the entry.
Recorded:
8 h 26 min
